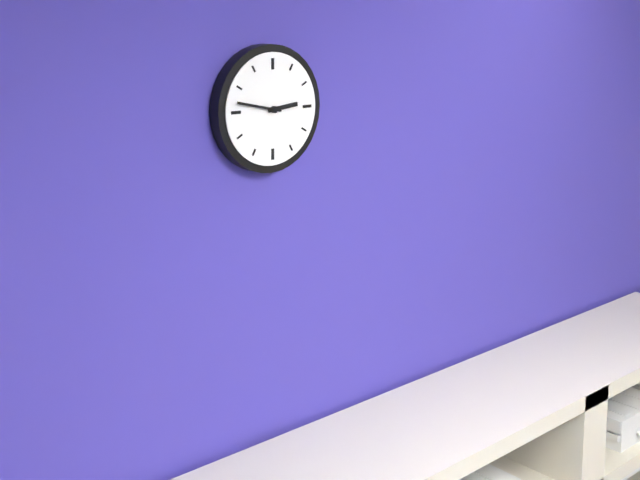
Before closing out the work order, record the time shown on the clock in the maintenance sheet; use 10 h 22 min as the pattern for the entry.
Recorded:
2 h 47 min
